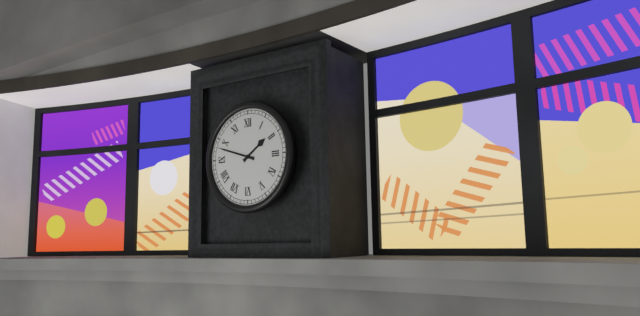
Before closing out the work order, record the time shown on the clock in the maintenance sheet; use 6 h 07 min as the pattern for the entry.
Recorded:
1 h 48 min
